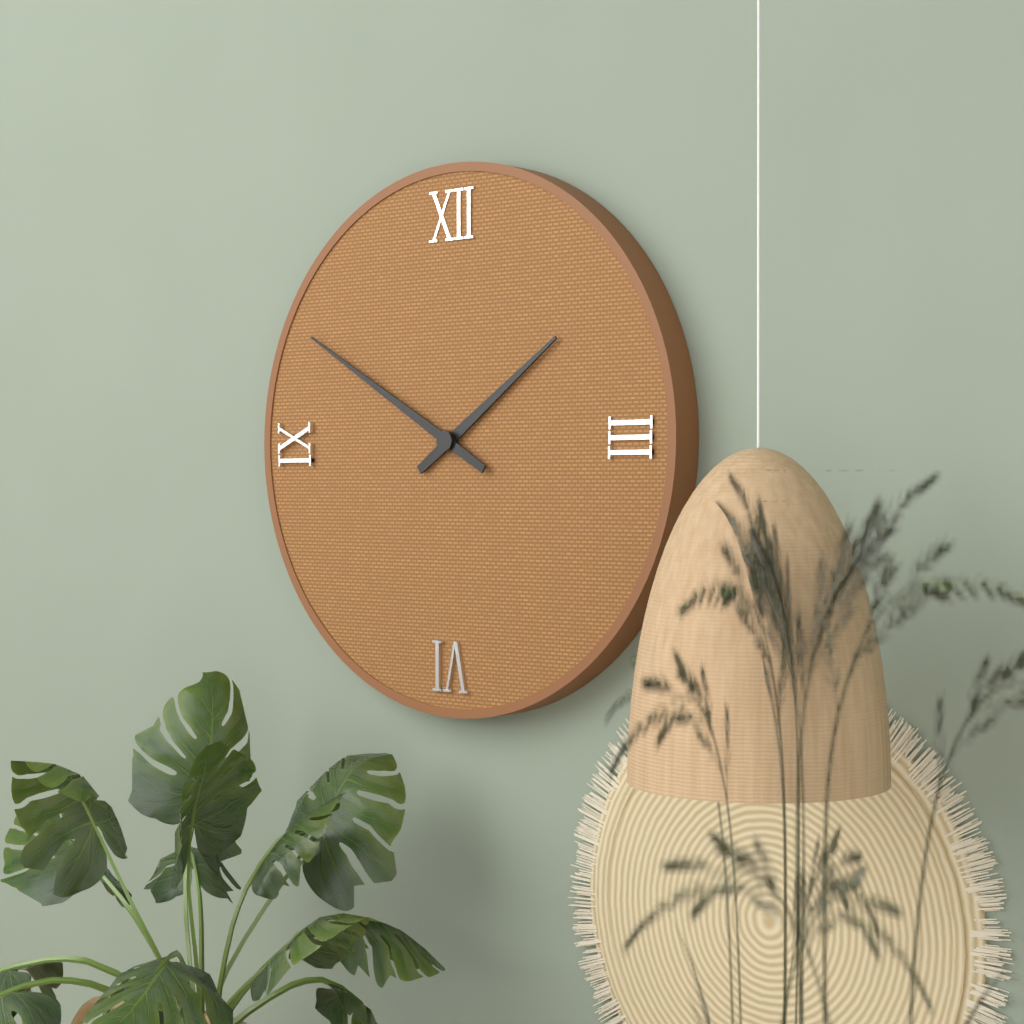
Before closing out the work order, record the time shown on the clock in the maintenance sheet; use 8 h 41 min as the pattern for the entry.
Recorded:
1 h 50 min
